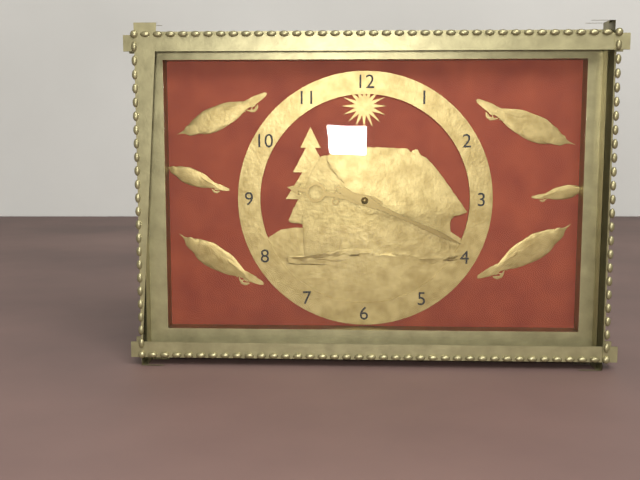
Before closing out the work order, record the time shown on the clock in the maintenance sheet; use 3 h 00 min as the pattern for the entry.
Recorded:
9 h 19 min
